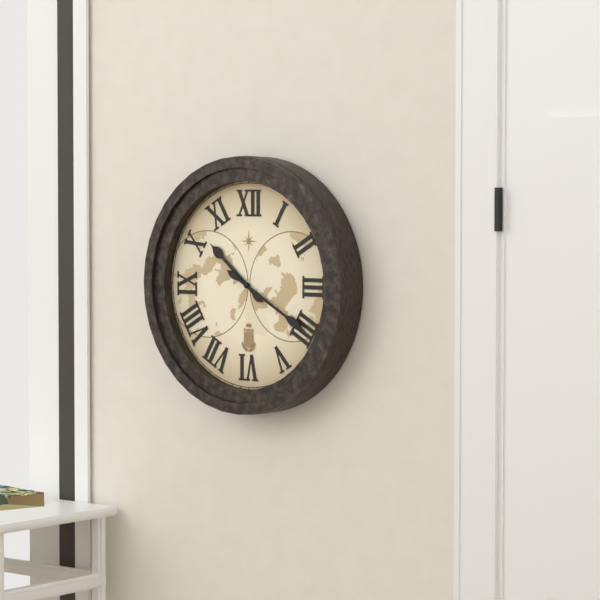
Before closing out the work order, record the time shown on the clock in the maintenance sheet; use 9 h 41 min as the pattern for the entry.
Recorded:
10 h 20 min
